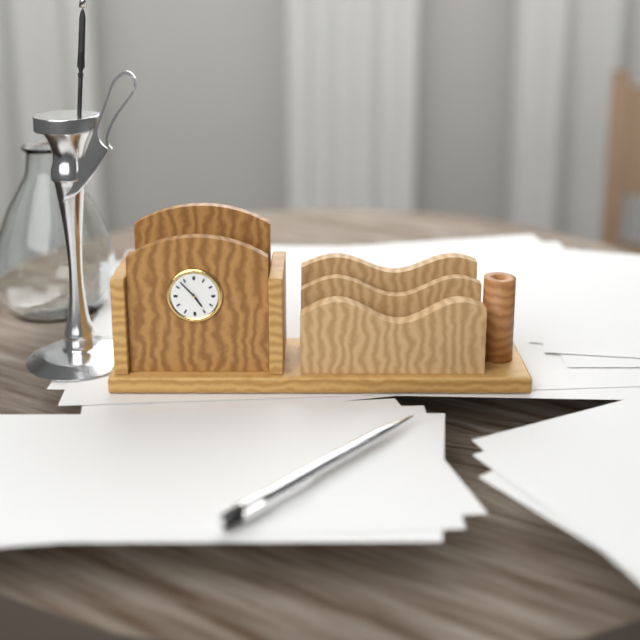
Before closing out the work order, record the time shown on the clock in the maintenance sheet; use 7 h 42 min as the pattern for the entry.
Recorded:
4 h 53 min
